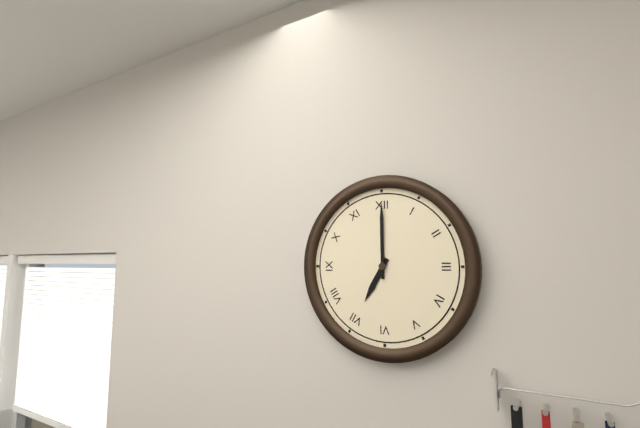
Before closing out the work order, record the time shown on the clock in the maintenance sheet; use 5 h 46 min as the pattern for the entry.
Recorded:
7 h 00 min
